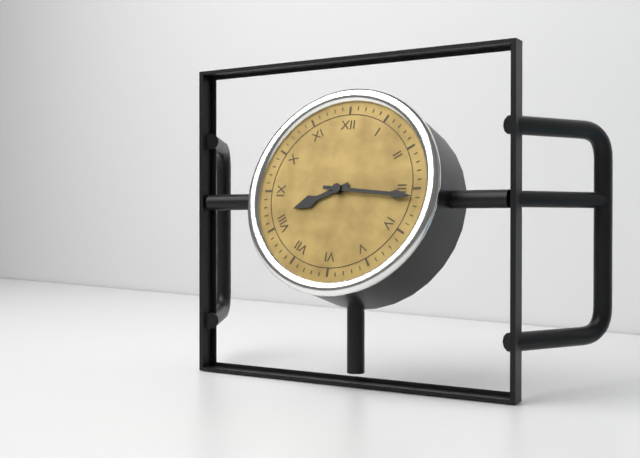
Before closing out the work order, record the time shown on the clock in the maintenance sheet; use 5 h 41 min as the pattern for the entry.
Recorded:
8 h 16 min
